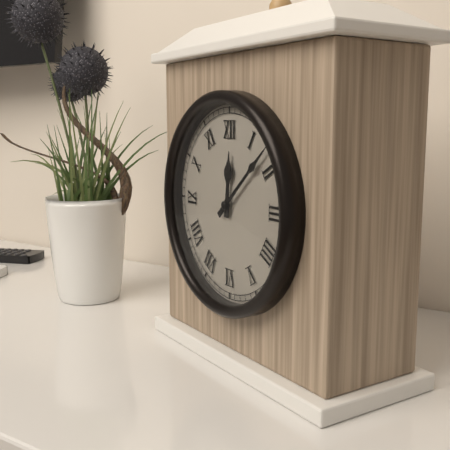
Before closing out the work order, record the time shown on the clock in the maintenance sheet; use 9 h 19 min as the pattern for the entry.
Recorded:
12 h 08 min
